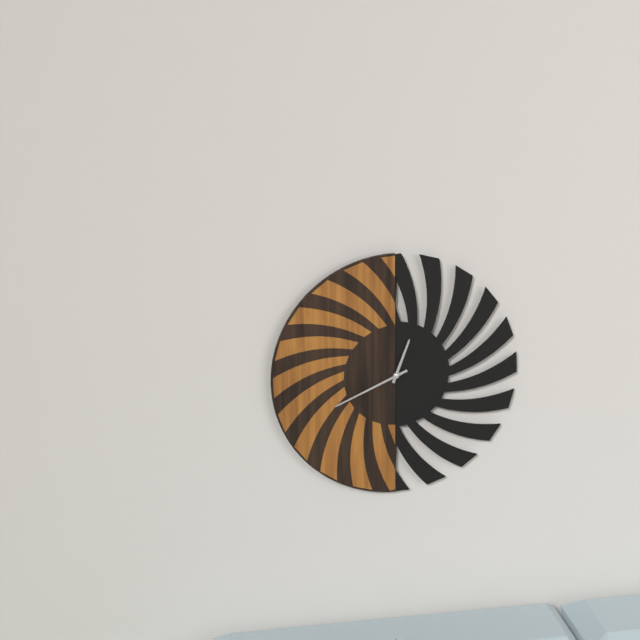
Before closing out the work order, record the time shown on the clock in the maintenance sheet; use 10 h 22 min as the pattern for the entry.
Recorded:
12 h 41 min
